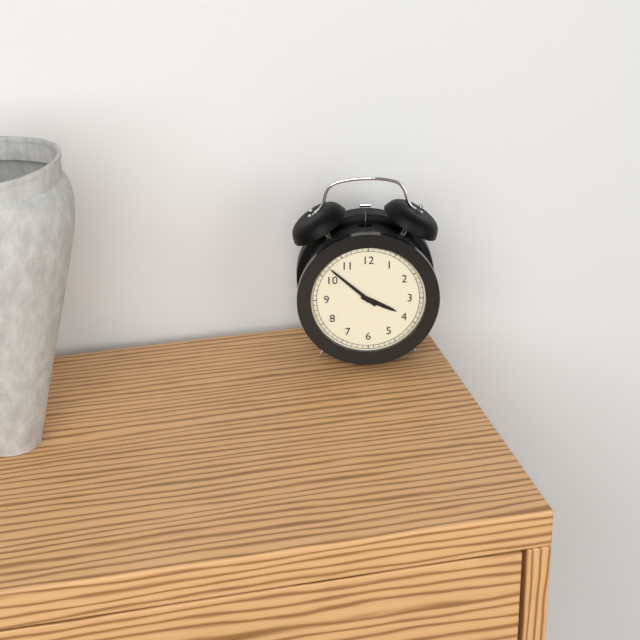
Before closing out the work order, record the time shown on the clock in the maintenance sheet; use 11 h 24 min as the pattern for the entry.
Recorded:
3 h 52 min
